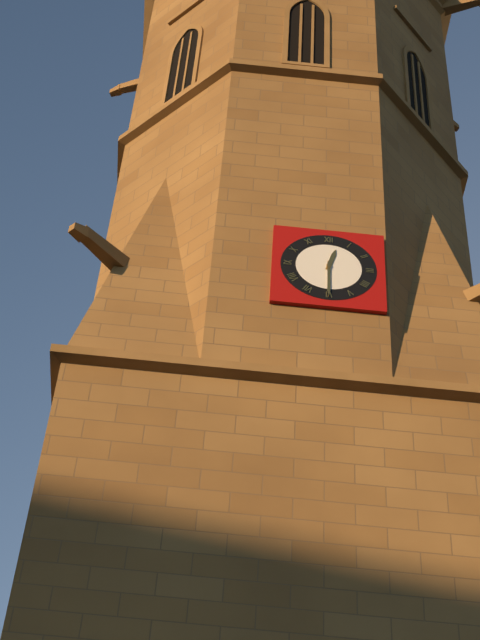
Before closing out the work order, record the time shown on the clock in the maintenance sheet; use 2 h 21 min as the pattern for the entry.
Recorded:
12 h 30 min
